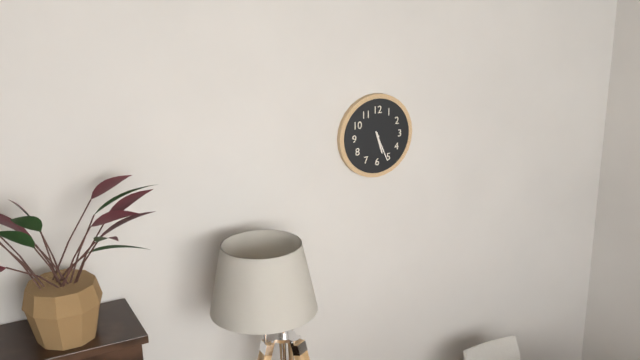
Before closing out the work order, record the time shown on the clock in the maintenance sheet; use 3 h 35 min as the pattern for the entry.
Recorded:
5 h 26 min
